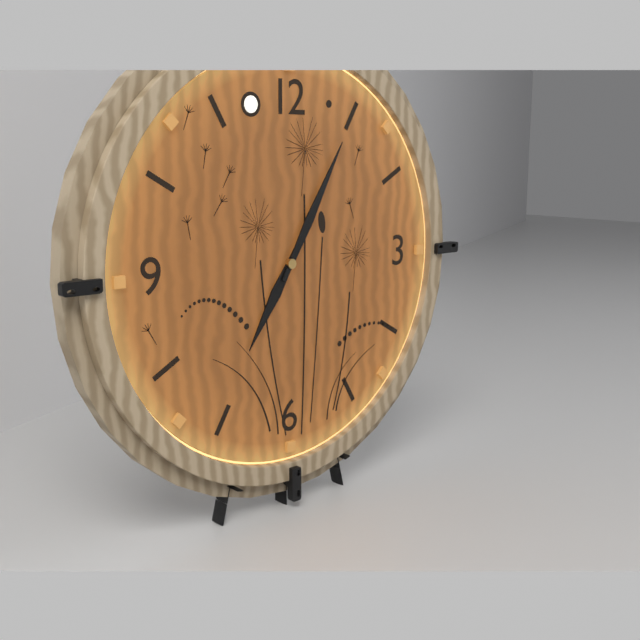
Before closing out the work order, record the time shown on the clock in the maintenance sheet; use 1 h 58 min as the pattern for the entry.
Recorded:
7 h 05 min
